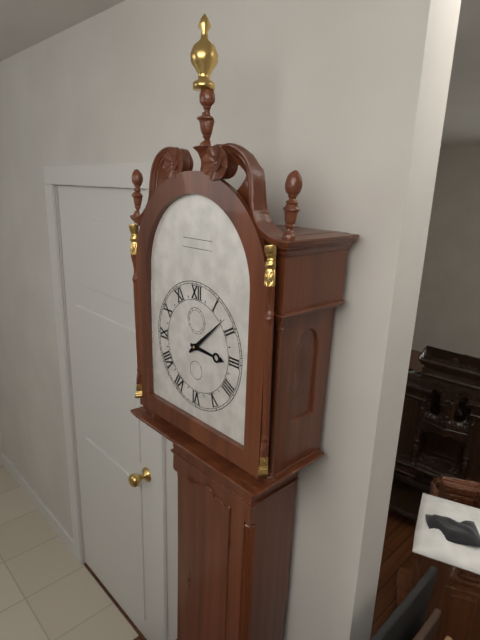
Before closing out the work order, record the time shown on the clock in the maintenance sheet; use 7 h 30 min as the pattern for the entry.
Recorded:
3 h 08 min
